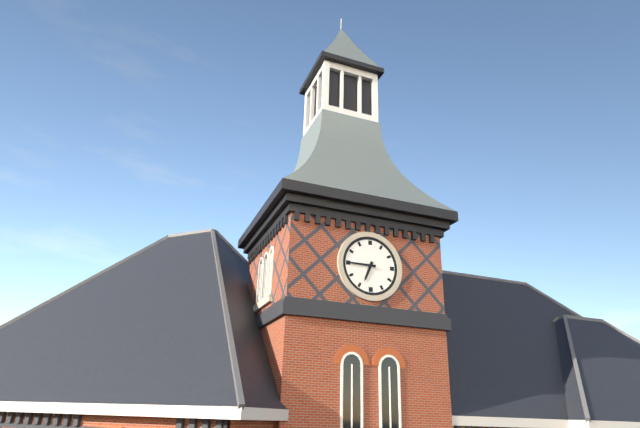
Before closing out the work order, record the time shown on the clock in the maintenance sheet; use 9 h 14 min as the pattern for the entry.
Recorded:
6 h 45 min
